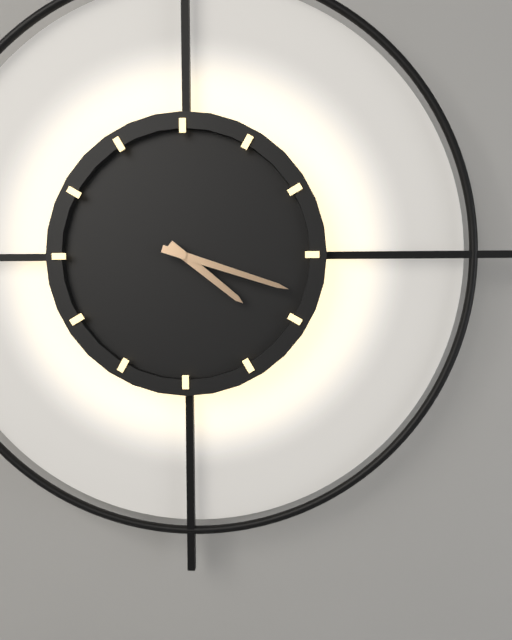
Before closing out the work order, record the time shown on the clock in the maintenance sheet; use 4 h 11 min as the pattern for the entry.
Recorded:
4 h 18 min
